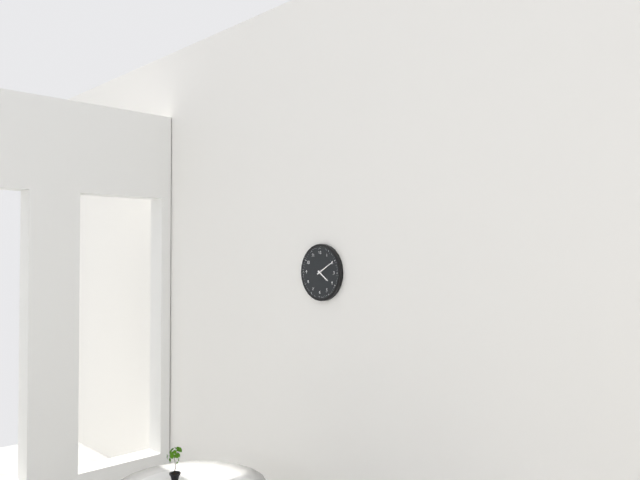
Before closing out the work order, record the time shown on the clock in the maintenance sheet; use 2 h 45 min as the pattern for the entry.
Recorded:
4 h 10 min
